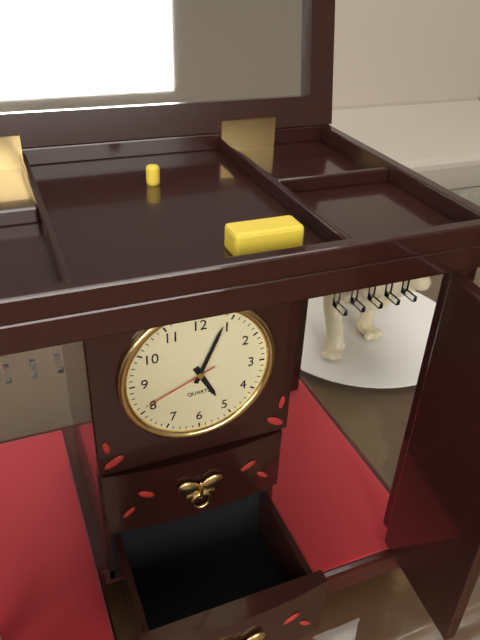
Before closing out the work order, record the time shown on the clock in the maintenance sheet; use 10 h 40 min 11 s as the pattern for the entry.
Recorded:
5 h 04 min 41 s
